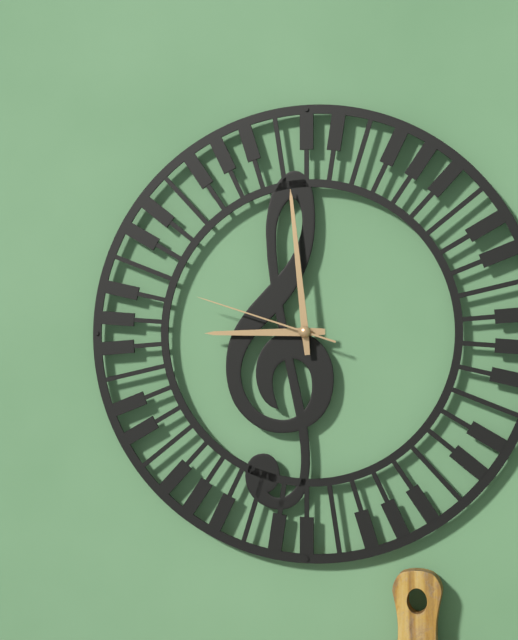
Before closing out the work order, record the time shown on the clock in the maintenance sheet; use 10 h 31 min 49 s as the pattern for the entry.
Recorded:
8 h 59 min 48 s
